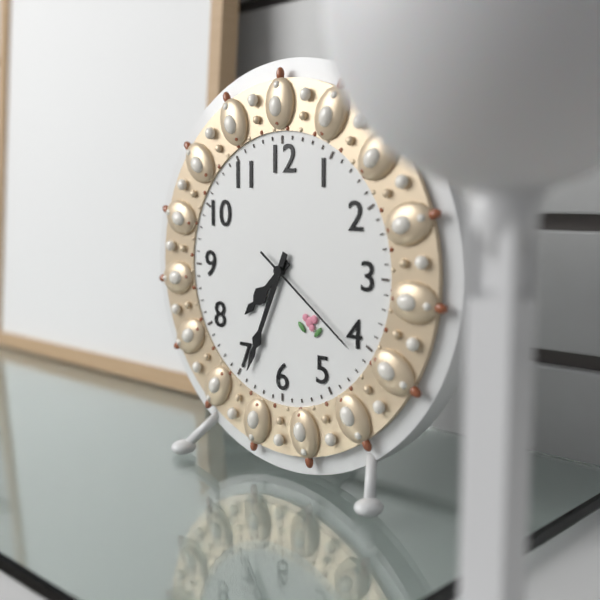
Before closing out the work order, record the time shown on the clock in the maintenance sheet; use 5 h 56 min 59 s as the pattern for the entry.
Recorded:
7 h 34 min 21 s
